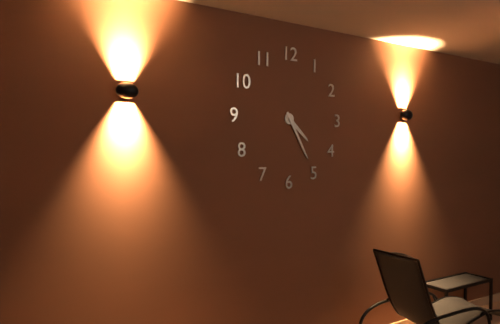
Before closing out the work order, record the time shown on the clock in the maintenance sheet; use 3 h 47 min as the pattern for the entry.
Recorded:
4 h 25 min
